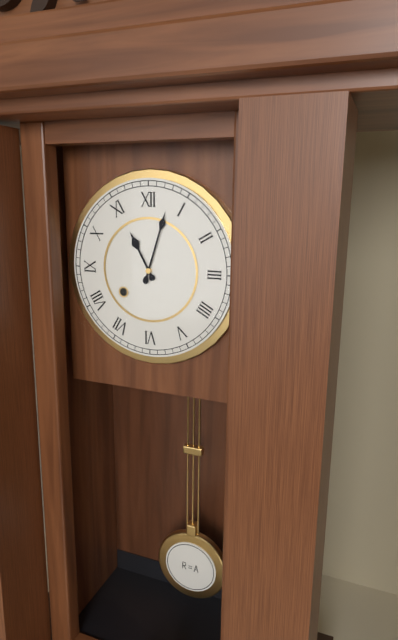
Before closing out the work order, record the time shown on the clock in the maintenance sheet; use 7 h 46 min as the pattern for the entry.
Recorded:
11 h 03 min
